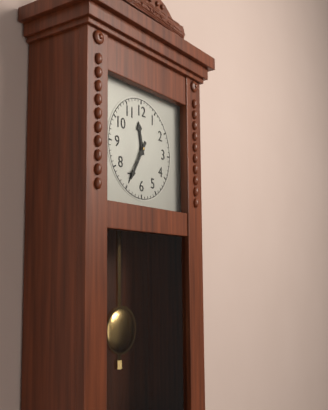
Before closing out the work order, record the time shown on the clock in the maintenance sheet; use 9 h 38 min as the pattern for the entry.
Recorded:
11 h 35 min
